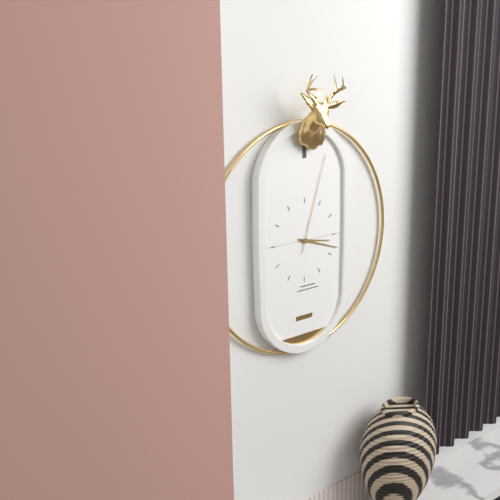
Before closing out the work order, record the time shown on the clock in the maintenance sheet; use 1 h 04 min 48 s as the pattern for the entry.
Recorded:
3 h 18 min 03 s
